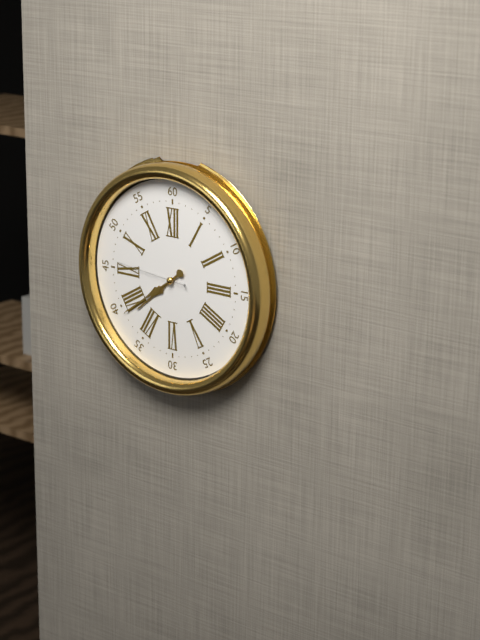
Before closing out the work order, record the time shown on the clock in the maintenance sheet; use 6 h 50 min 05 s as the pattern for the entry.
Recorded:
7 h 39 min 46 s
